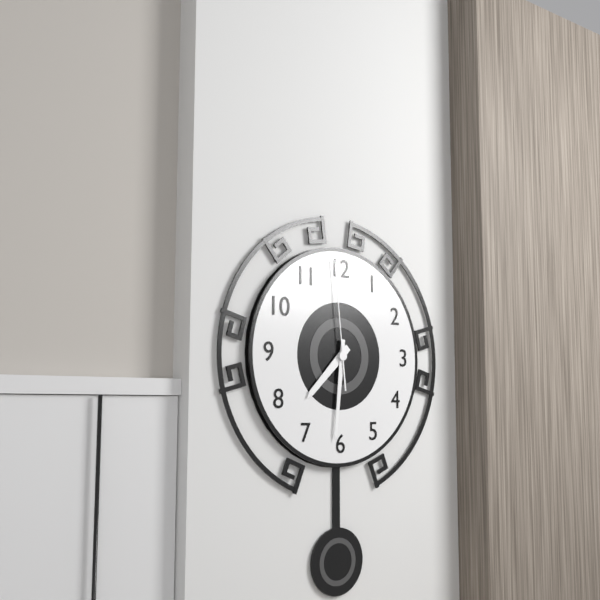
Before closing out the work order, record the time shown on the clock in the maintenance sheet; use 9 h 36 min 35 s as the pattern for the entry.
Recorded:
7 h 31 min 59 s
